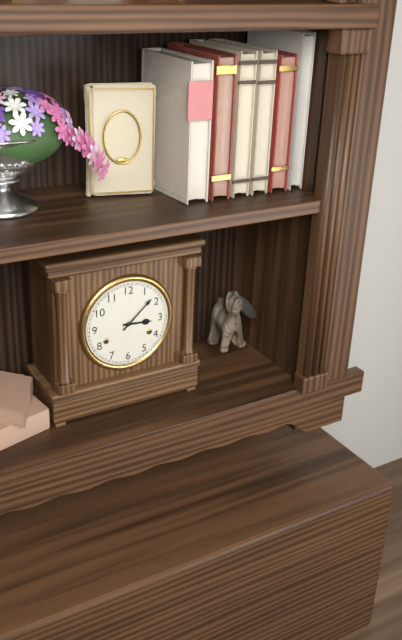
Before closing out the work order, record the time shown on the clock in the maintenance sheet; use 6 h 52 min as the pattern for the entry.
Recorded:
3 h 08 min
